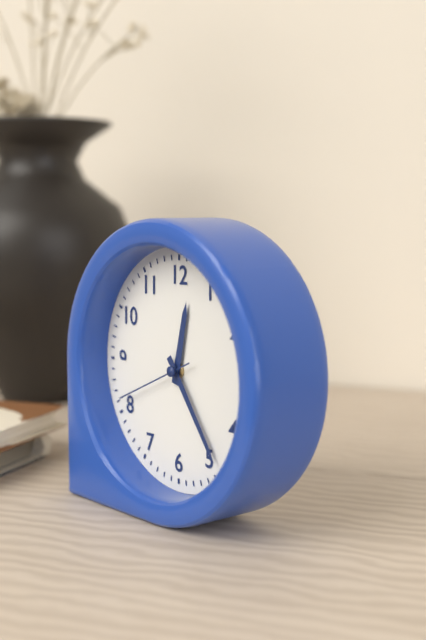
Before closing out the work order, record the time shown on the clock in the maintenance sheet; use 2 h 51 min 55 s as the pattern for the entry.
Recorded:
12 h 24 min 41 s
